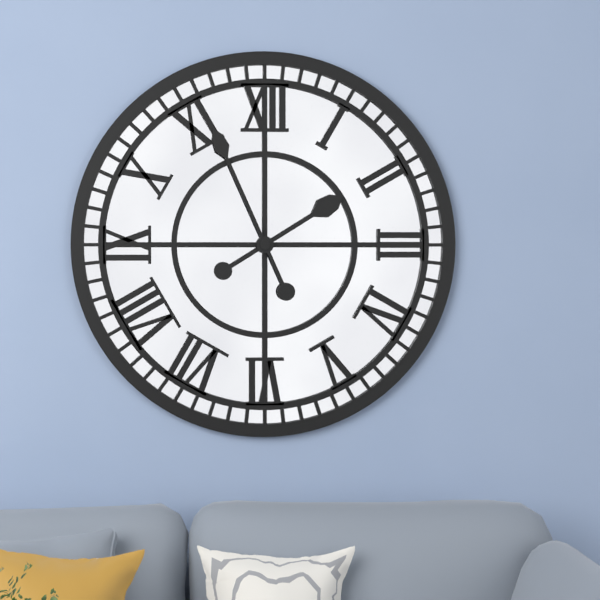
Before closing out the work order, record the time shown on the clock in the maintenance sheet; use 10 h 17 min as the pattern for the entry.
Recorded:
1 h 56 min
